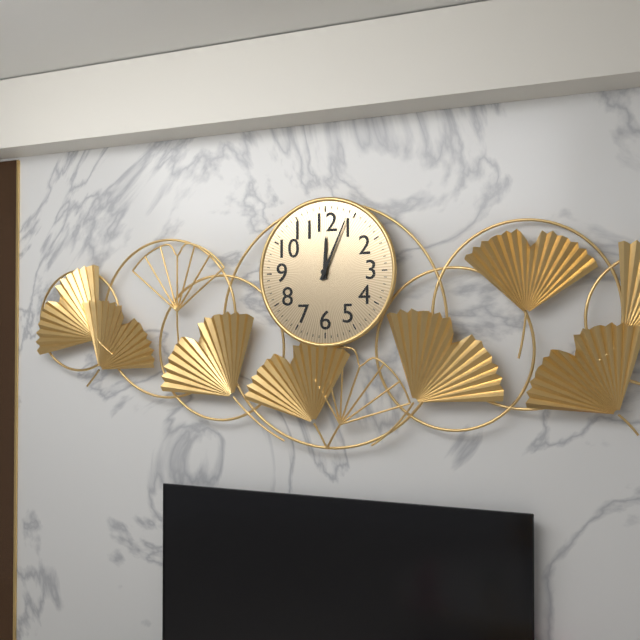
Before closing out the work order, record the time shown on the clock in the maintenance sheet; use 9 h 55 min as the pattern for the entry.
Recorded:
12 h 04 min
